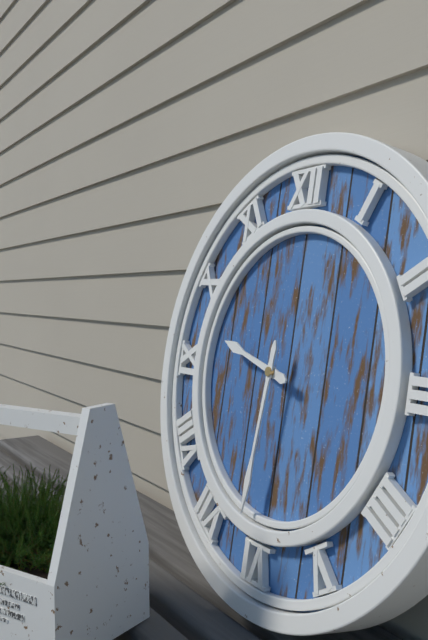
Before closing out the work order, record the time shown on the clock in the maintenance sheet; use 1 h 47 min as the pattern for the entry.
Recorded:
9 h 31 min
